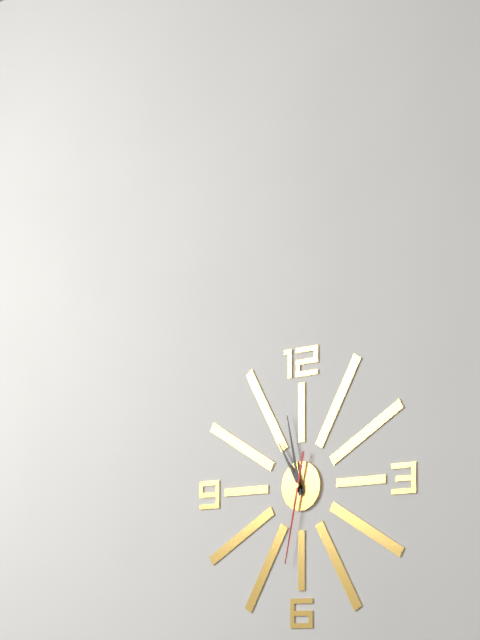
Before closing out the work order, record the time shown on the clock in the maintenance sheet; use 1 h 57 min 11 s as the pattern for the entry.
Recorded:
10 h 58 min 32 s
